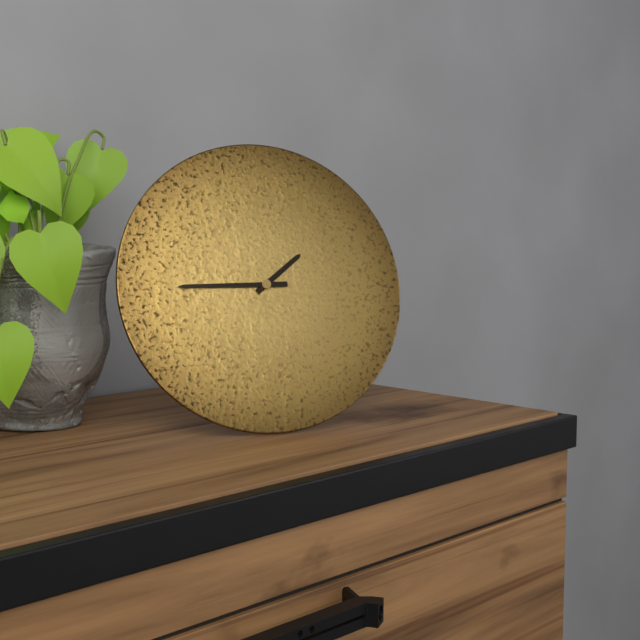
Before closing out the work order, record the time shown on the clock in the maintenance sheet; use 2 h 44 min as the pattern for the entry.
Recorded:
1 h 45 min
